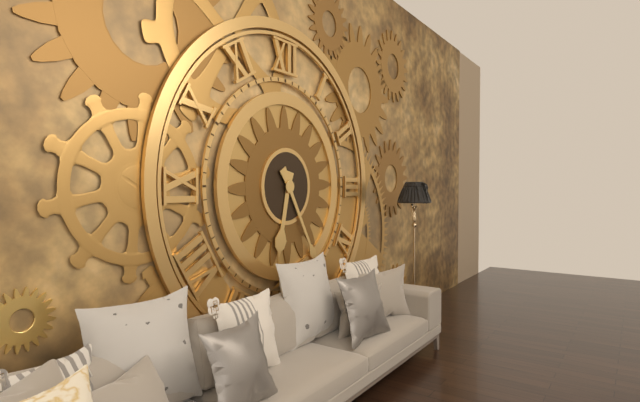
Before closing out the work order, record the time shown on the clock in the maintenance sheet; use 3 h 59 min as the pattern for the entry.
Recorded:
6 h 25 min
